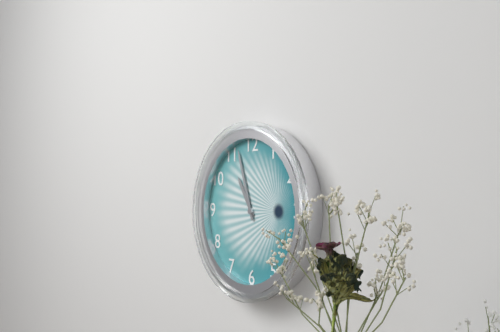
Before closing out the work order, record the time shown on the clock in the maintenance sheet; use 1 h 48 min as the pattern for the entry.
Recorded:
10 h 57 min
